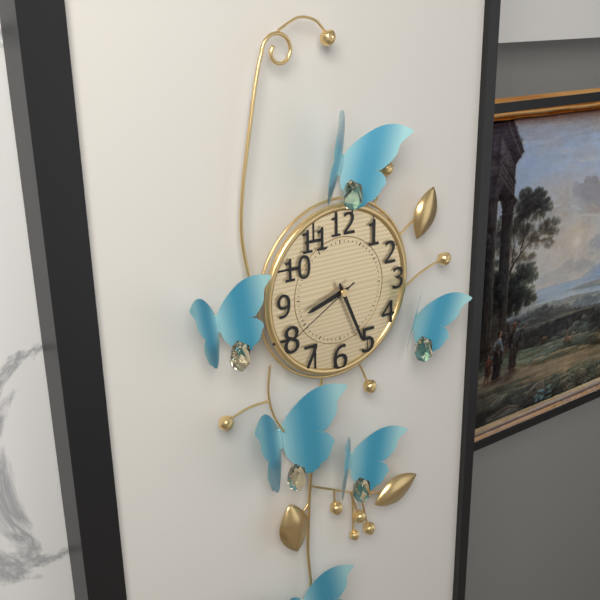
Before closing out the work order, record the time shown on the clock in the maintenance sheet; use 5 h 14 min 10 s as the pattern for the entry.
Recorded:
8 h 26 min 40 s
